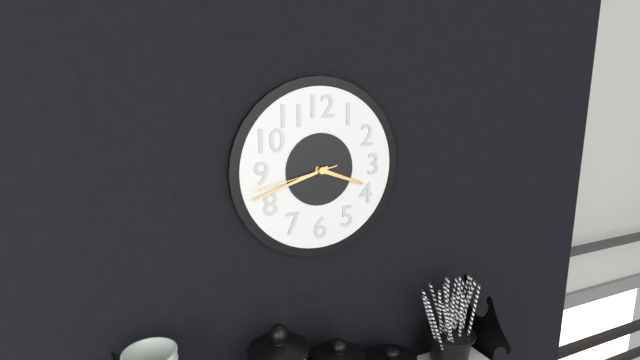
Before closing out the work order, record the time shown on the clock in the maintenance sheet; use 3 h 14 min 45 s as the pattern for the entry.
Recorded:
3 h 42 min 43 s
